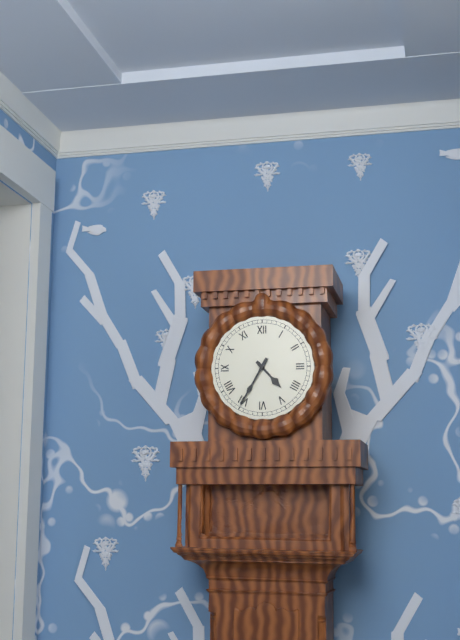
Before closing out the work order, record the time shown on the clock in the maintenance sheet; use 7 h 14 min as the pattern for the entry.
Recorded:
4 h 35 min
